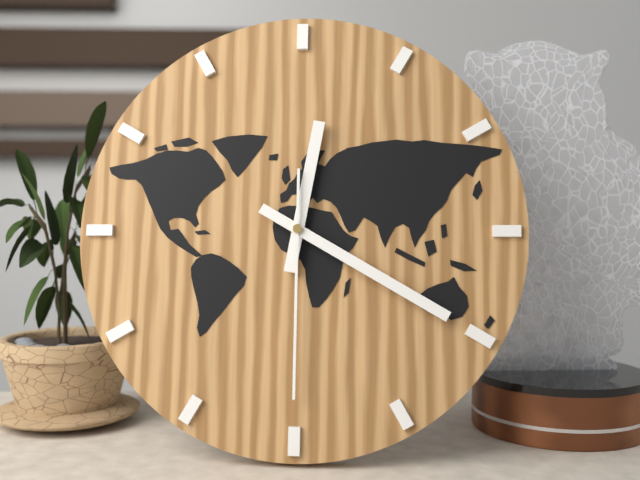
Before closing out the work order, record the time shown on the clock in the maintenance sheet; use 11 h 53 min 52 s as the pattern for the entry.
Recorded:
12 h 20 min 30 s
